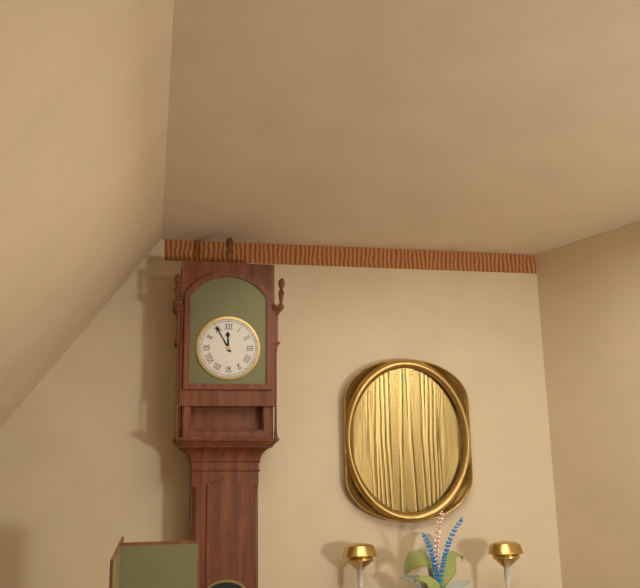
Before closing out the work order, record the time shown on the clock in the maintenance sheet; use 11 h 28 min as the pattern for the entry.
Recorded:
11 h 55 min
